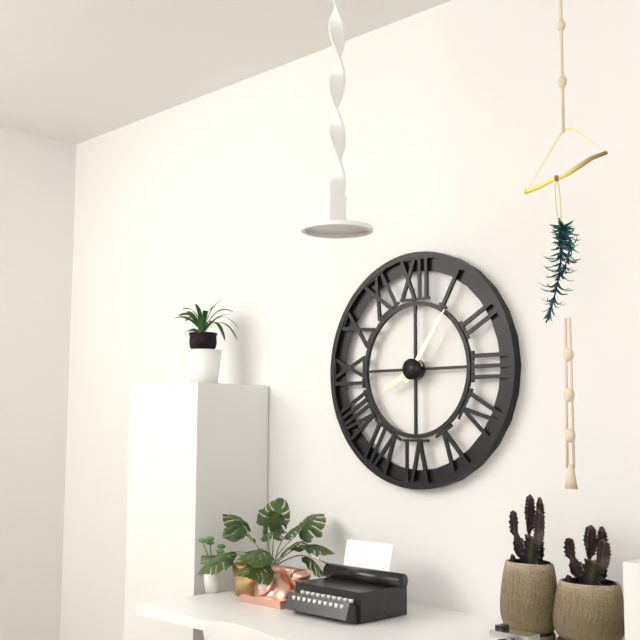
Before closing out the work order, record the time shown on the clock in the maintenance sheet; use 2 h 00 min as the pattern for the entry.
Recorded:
8 h 06 min
